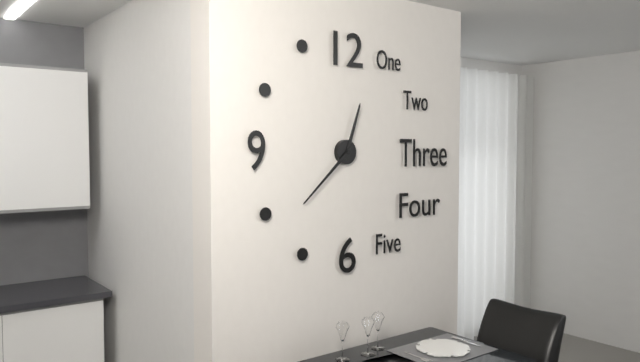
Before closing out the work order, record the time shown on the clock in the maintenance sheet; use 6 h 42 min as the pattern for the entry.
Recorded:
12 h 38 min
